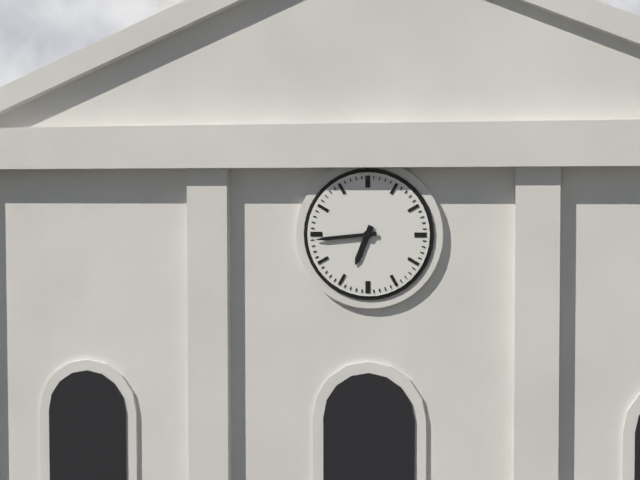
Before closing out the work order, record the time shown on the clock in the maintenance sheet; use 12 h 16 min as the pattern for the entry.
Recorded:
6 h 44 min
